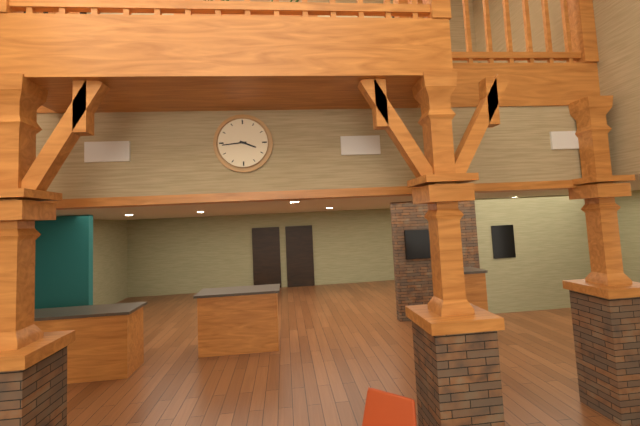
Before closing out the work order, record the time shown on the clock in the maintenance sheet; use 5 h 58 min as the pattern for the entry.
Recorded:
3 h 44 min
